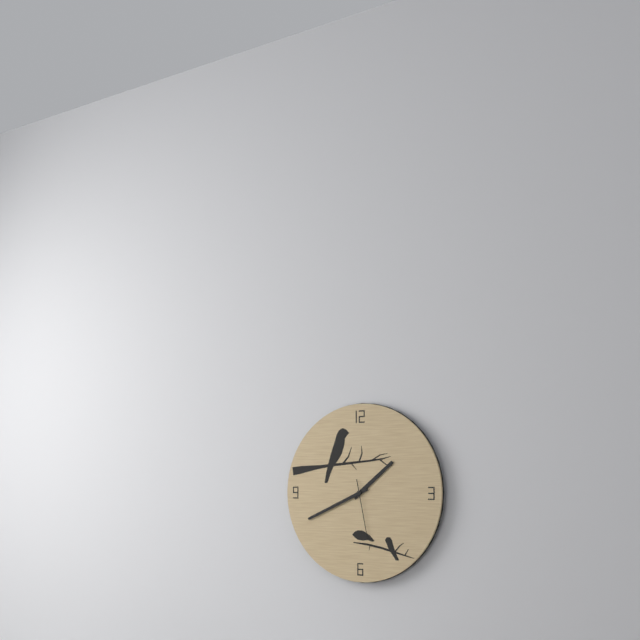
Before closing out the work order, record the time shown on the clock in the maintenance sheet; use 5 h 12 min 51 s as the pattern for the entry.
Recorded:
1 h 41 min 28 s
